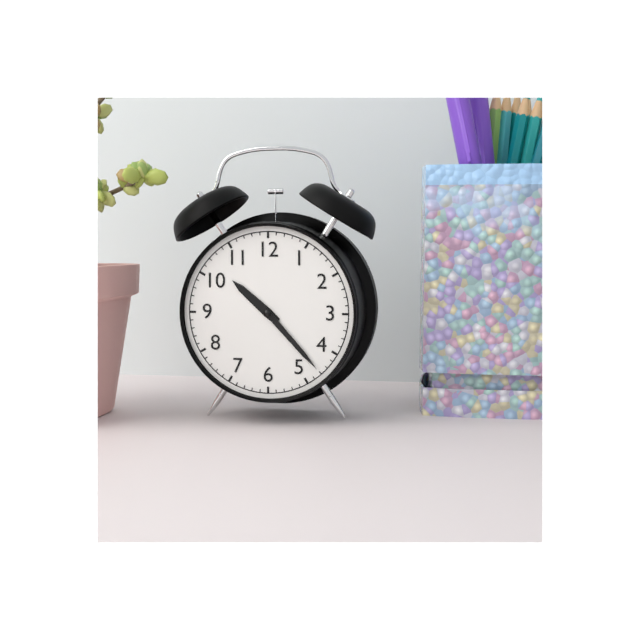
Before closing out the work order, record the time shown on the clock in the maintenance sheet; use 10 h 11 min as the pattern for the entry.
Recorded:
10 h 23 min
